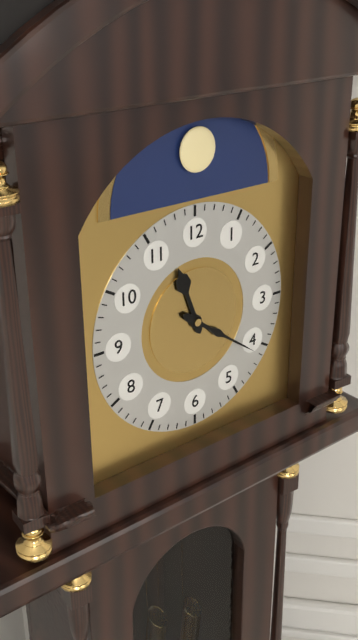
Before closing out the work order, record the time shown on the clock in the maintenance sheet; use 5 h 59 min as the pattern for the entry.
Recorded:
11 h 21 min
